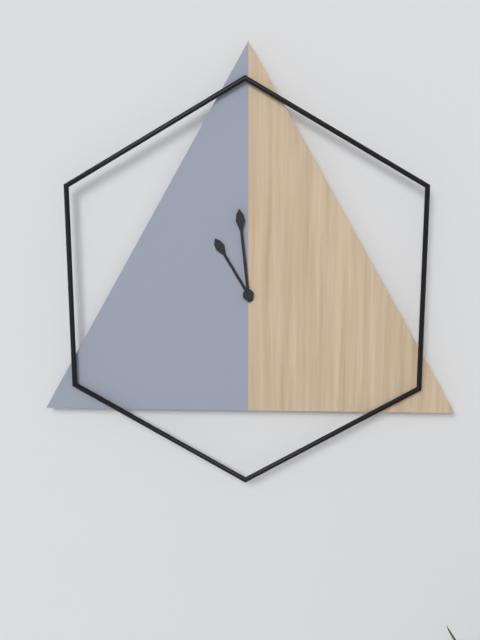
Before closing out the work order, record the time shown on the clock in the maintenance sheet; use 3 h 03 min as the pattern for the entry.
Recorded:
10 h 59 min
